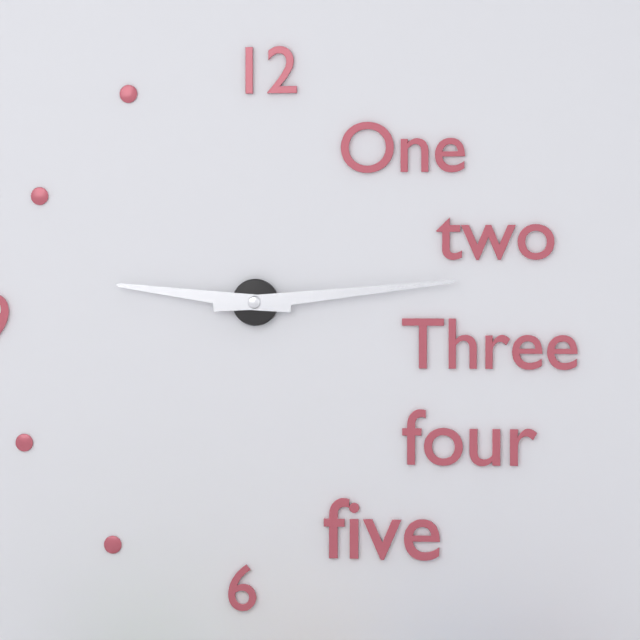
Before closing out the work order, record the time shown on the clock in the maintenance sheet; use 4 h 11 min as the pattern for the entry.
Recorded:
9 h 14 min
